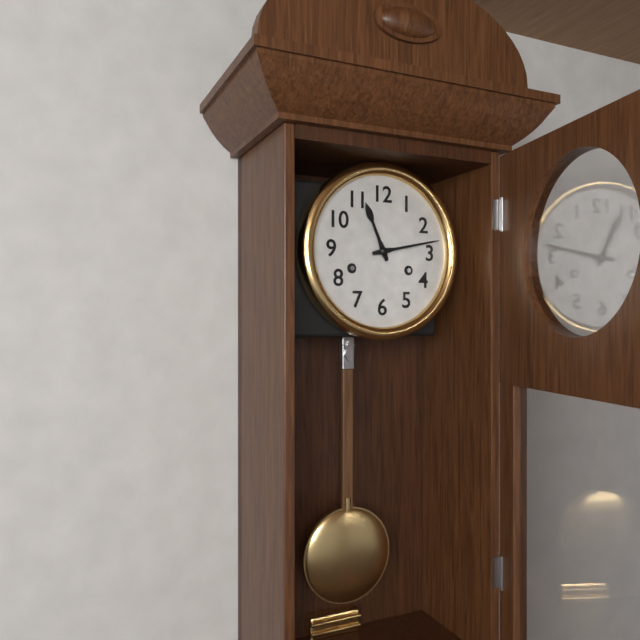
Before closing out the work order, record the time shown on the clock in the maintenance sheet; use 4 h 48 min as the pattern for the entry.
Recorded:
11 h 13 min
